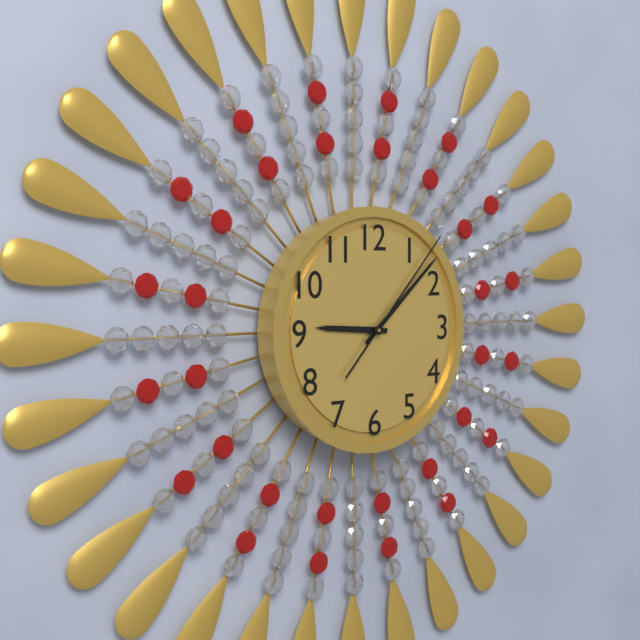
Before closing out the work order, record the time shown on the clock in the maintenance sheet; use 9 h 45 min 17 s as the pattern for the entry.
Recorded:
9 h 08 min 07 s
